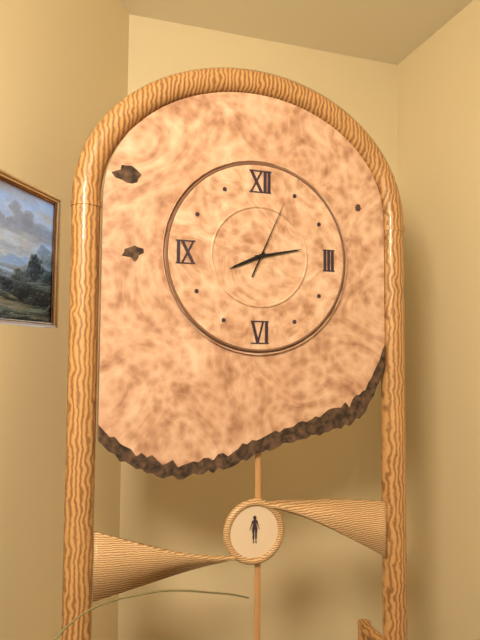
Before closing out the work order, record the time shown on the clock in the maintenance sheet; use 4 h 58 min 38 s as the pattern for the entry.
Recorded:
8 h 13 min 04 s
